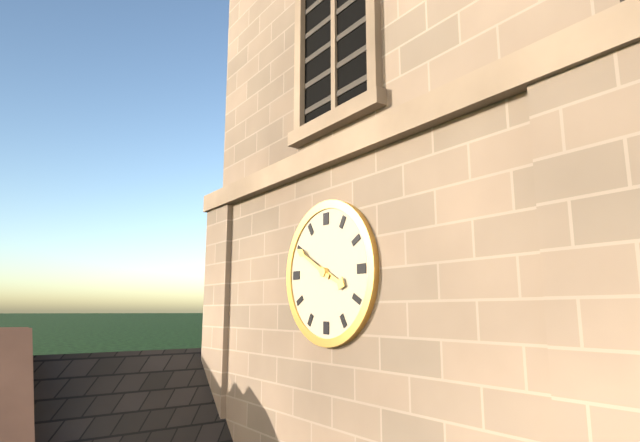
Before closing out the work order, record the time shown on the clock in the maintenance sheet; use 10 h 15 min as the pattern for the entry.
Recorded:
3 h 50 min
